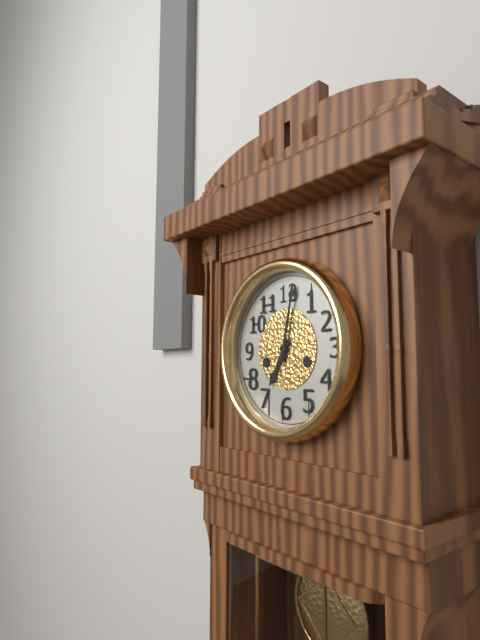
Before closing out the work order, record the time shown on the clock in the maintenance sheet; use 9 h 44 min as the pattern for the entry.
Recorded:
7 h 02 min
